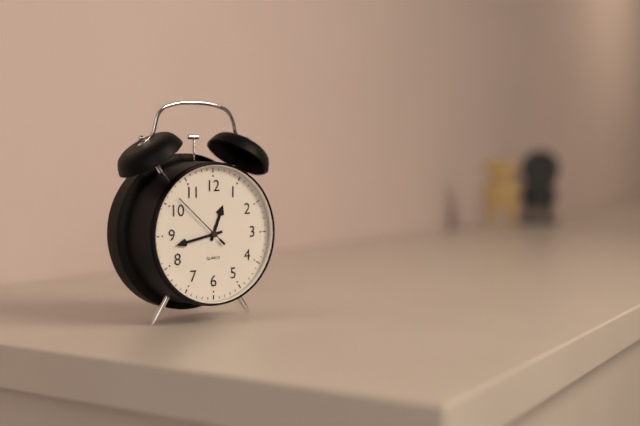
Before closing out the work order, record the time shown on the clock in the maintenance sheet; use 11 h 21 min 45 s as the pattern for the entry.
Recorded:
12 h 43 min 52 s
